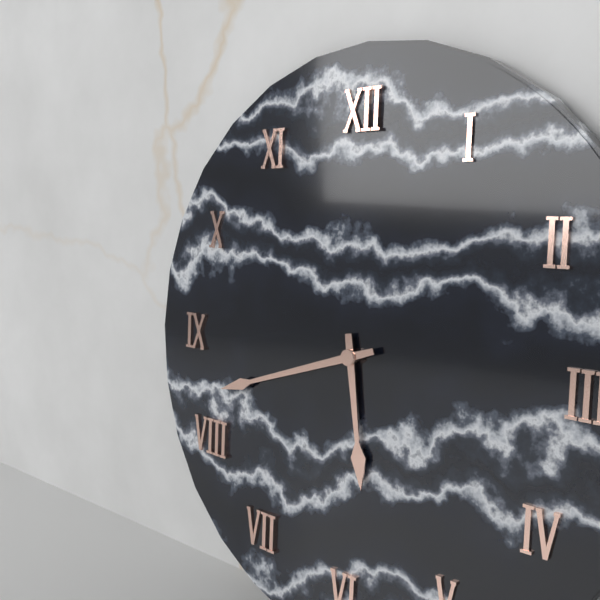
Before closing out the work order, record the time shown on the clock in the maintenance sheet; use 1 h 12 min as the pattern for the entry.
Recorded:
5 h 42 min
